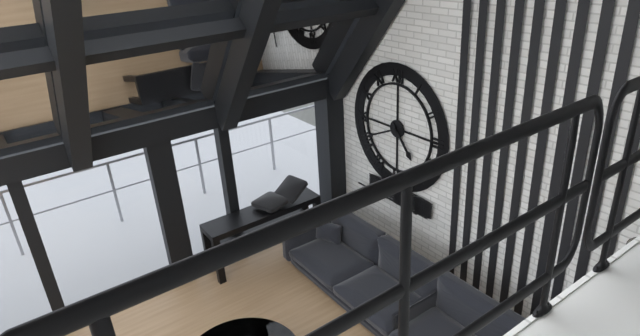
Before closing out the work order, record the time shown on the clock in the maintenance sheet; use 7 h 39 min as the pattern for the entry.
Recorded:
4 h 41 min
